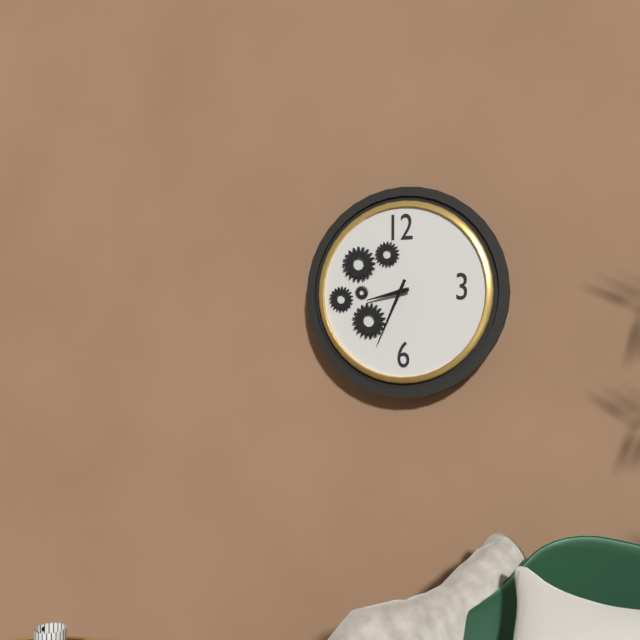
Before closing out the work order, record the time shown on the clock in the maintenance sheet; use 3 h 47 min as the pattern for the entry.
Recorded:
8 h 34 min
